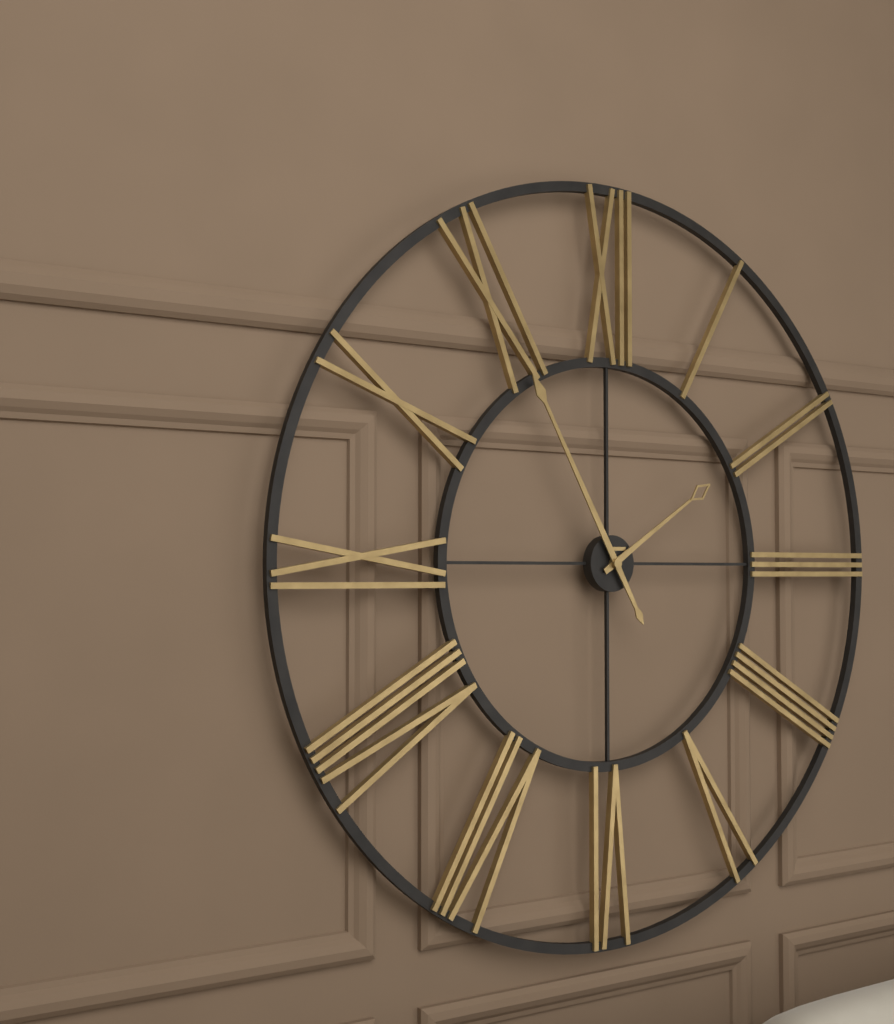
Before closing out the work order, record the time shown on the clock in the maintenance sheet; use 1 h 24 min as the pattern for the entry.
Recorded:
1 h 55 min
